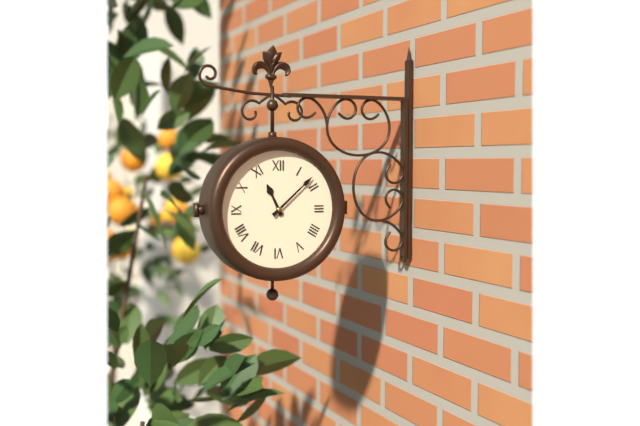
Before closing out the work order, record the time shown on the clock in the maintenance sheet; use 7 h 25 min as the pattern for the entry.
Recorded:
11 h 08 min
